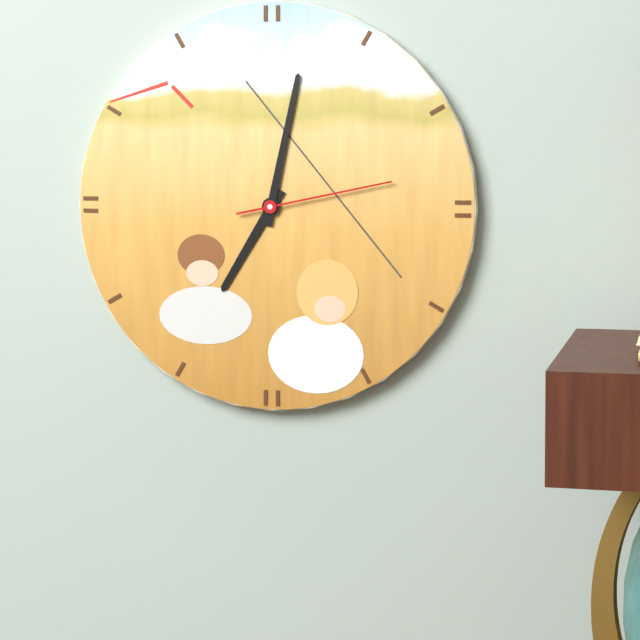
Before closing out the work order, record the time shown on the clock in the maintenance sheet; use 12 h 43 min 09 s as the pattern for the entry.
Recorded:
7 h 02 min 13 s
